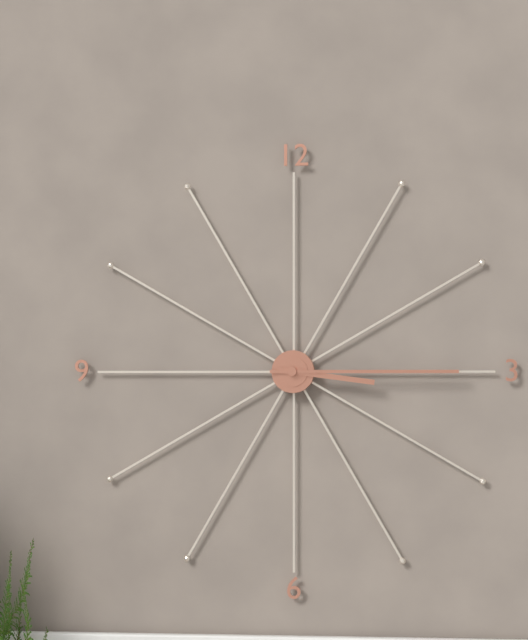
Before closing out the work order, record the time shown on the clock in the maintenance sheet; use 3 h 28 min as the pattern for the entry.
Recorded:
3 h 15 min
